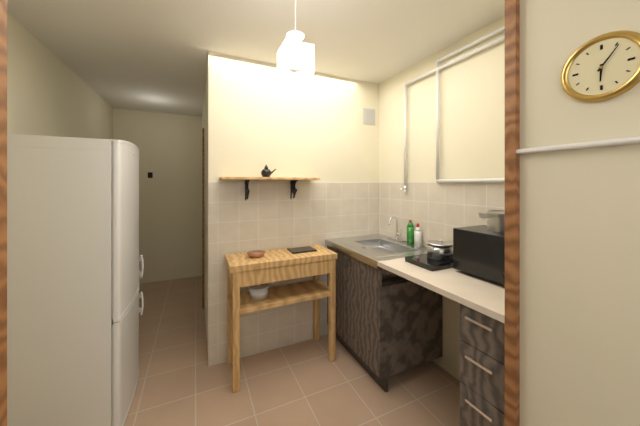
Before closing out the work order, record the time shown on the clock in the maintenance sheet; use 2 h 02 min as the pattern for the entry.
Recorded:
6 h 06 min
